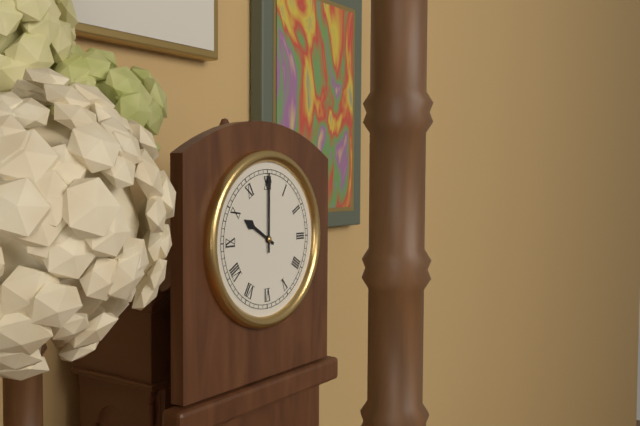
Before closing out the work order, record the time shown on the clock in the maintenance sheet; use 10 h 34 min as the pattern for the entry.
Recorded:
10 h 00 min
